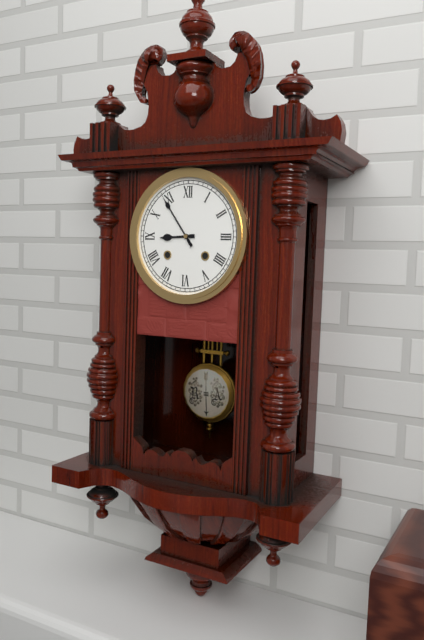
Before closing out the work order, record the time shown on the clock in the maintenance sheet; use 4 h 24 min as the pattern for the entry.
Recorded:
8 h 54 min
